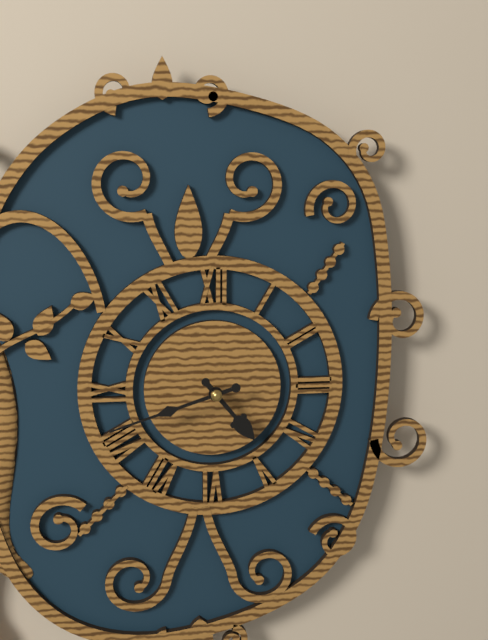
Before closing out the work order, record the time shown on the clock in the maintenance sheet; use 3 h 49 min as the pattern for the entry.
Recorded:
4 h 42 min
